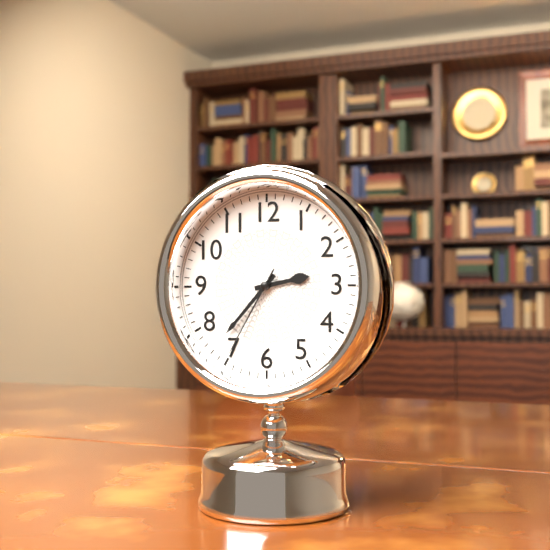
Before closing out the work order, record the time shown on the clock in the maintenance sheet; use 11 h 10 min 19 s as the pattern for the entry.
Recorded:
2 h 37 min 35 s
